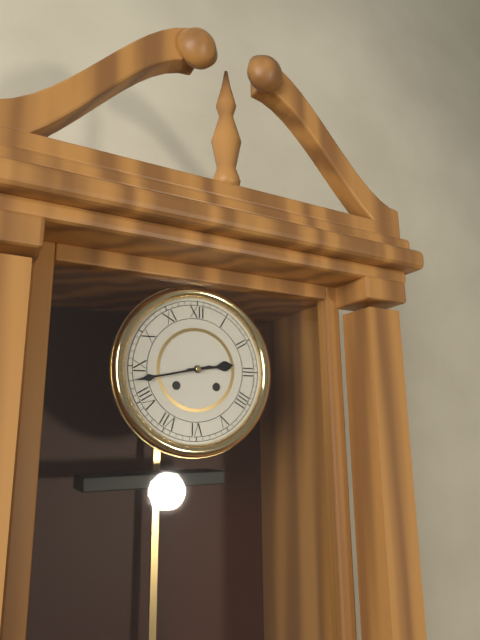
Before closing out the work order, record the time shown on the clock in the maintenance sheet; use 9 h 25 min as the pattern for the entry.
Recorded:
2 h 43 min
